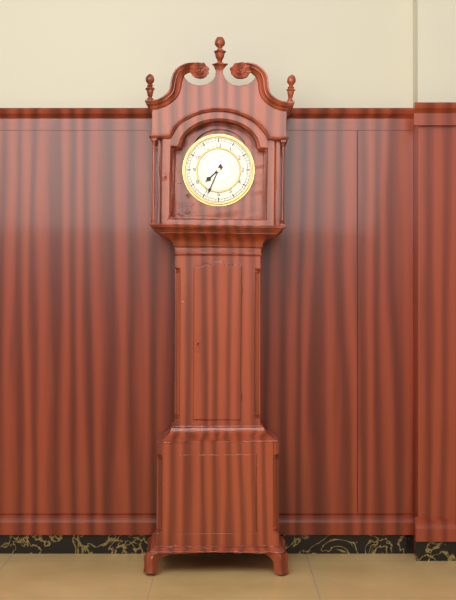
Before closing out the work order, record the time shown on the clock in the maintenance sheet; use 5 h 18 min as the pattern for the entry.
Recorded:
7 h 34 min
